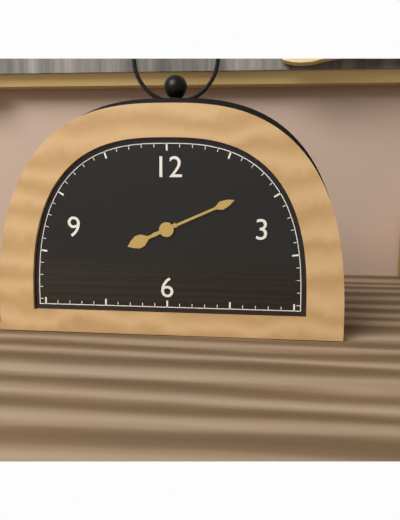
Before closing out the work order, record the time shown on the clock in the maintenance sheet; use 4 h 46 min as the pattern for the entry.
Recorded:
8 h 11 min
